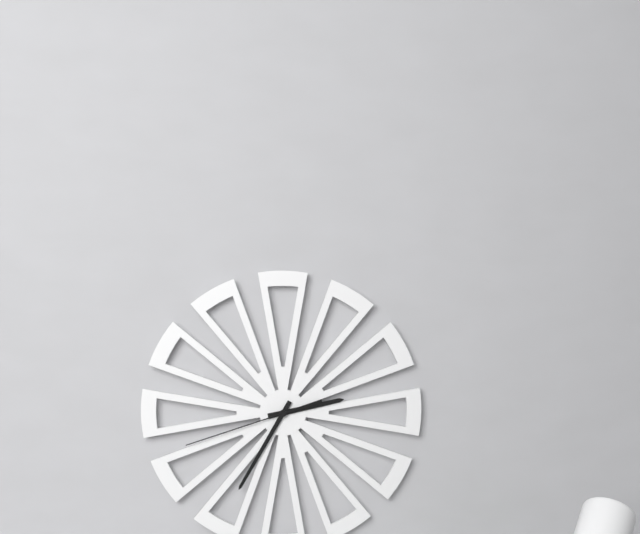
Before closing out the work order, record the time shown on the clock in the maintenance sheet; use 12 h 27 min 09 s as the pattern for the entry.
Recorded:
2 h 35 min 42 s
